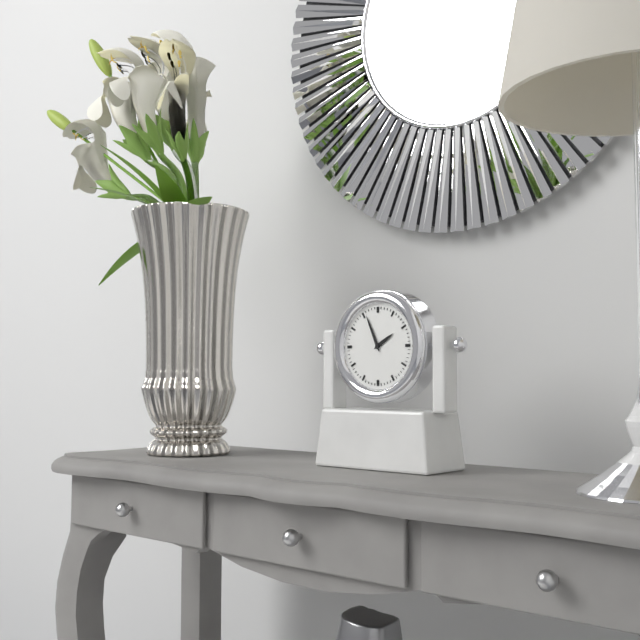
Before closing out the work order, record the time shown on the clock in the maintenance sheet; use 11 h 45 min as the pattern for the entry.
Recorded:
1 h 56 min
